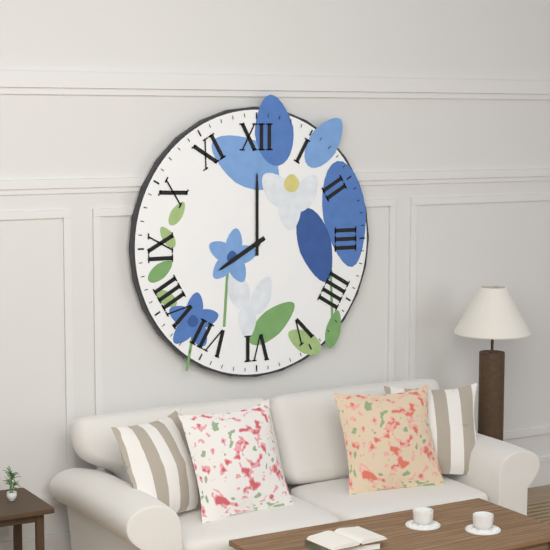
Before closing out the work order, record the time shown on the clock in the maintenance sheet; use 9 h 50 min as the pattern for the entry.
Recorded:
8 h 00 min
